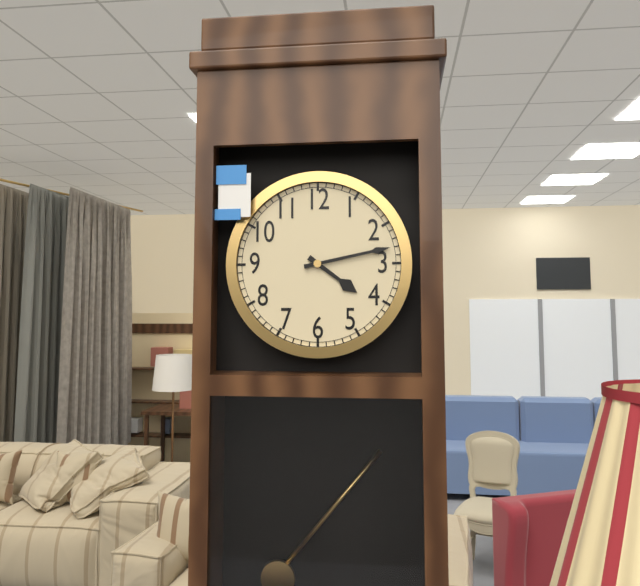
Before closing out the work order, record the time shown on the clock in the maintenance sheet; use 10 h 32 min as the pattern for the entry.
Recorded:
4 h 13 min
